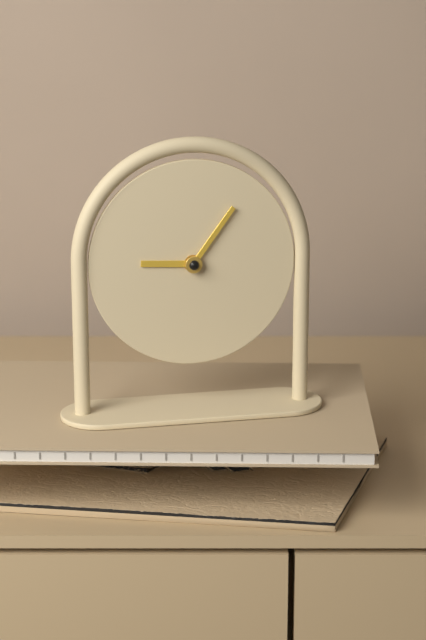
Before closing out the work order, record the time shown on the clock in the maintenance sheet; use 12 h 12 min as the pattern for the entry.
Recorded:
9 h 06 min
